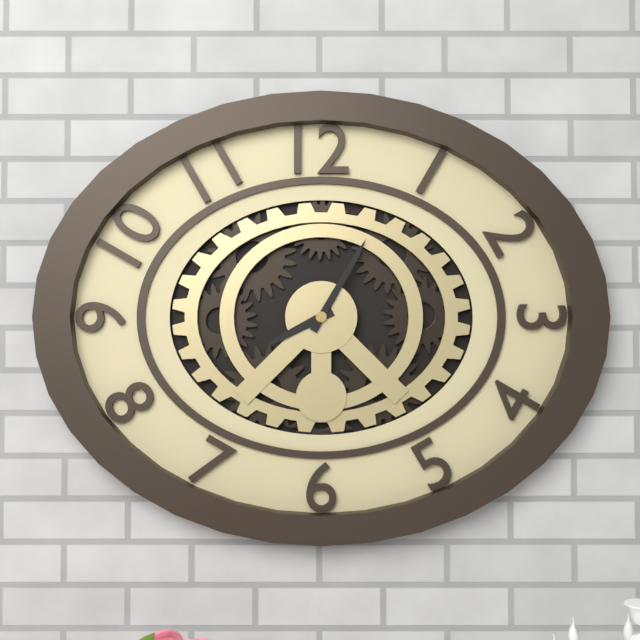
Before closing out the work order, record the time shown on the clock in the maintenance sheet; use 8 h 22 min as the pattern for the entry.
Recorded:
8 h 05 min
